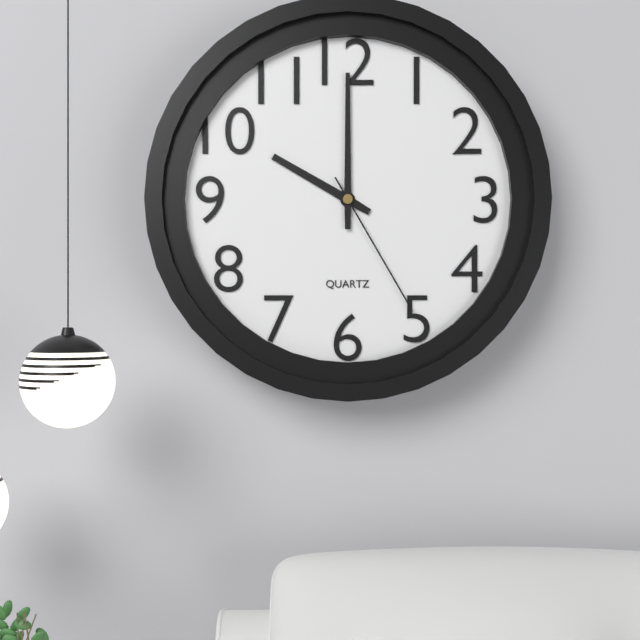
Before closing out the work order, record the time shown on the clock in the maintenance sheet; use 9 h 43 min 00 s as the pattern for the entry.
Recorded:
10 h 00 min 25 s
